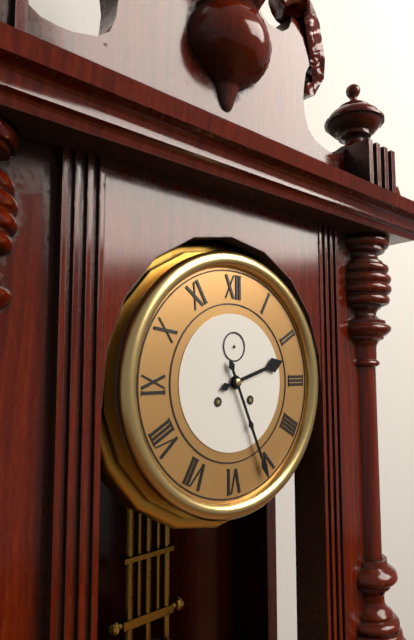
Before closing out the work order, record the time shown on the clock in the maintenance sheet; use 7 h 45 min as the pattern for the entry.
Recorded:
2 h 26 min
